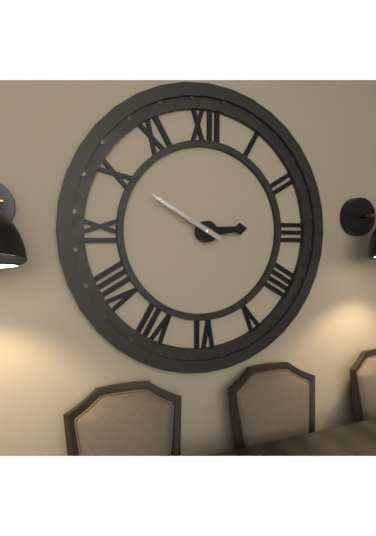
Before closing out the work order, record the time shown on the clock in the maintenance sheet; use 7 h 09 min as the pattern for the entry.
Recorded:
2 h 50 min
